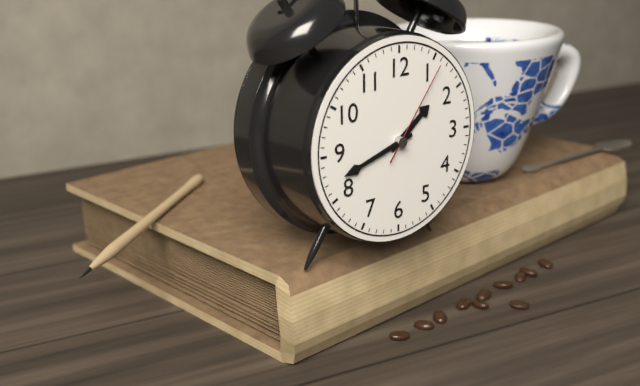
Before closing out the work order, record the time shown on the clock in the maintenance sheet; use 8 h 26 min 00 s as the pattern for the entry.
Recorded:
1 h 42 min 06 s
